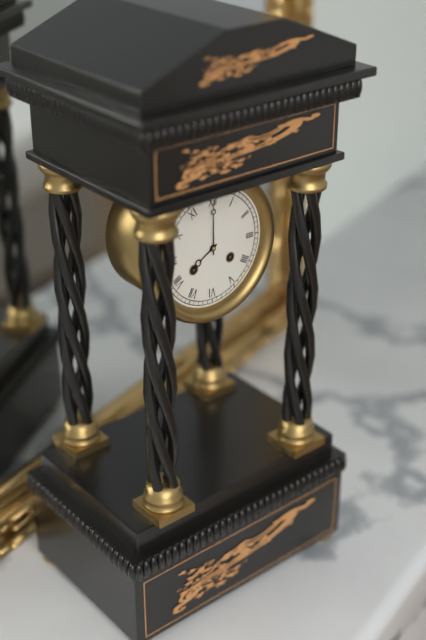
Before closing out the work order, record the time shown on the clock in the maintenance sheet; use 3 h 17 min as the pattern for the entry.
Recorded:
8 h 00 min
